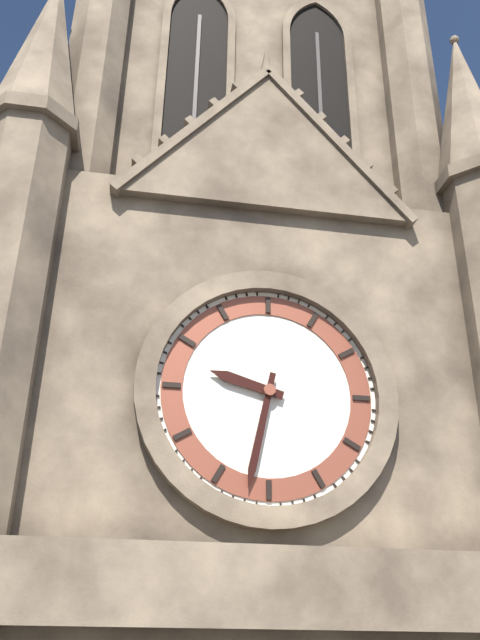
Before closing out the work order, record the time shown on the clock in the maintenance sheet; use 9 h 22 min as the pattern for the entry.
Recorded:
9 h 32 min
